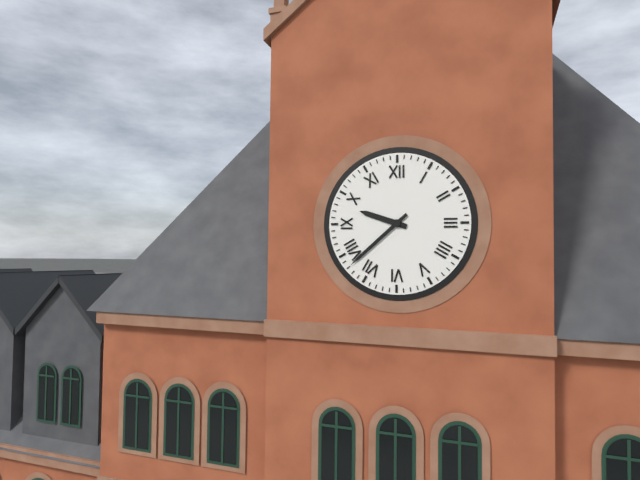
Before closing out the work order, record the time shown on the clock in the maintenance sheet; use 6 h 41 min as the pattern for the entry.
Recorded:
9 h 38 min
